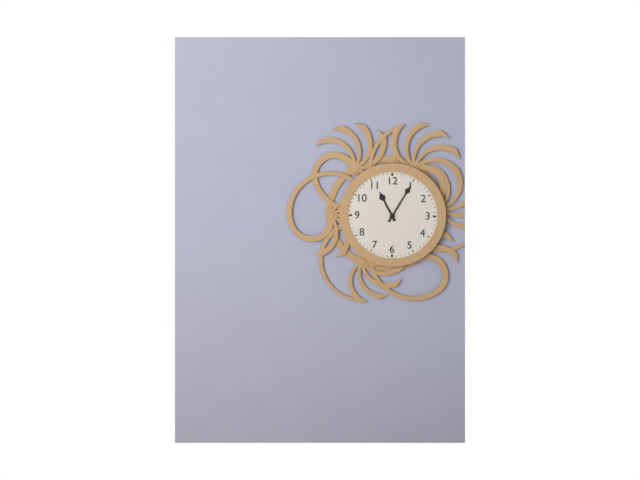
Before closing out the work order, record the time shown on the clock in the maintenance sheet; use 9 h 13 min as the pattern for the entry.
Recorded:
11 h 05 min
